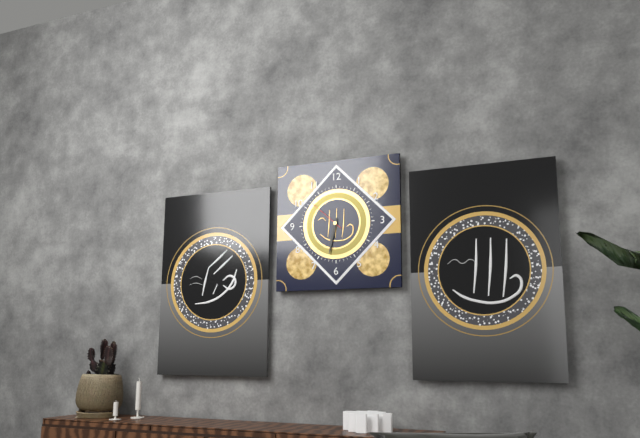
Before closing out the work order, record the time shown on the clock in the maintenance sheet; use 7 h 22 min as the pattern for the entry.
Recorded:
6 h 32 min
